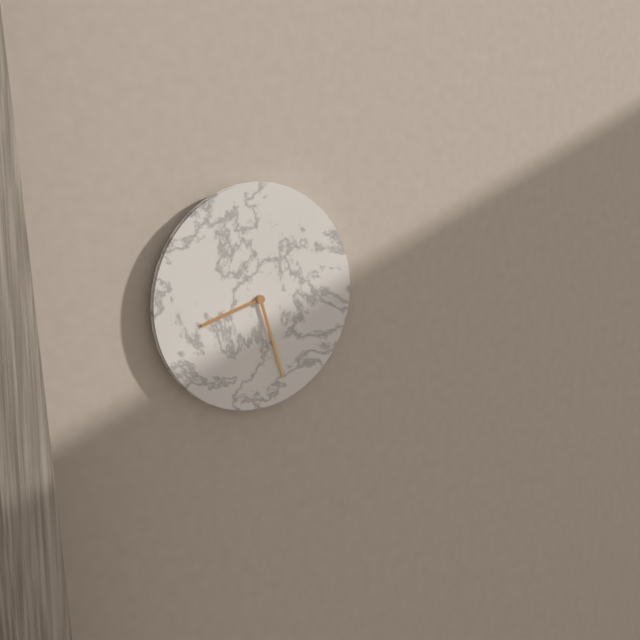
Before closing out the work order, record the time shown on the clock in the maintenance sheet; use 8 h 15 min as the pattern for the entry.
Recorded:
8 h 27 min
